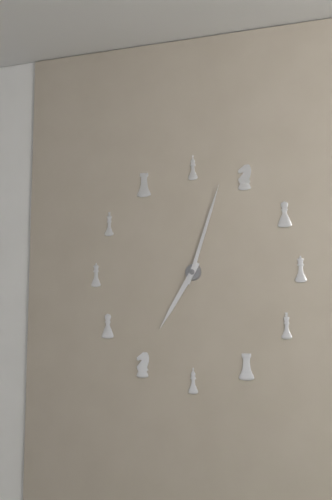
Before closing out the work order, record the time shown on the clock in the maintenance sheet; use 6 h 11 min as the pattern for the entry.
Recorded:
7 h 03 min
